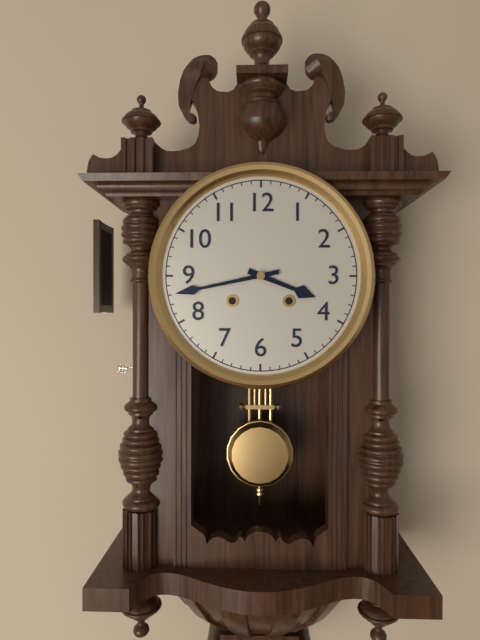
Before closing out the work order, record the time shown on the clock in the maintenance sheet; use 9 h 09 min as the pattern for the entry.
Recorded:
3 h 43 min
